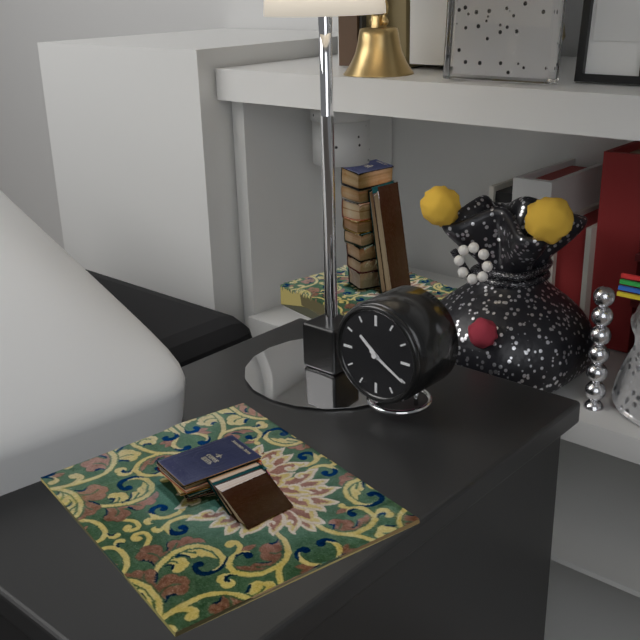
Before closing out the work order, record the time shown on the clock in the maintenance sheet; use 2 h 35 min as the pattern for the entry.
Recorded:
10 h 20 min
